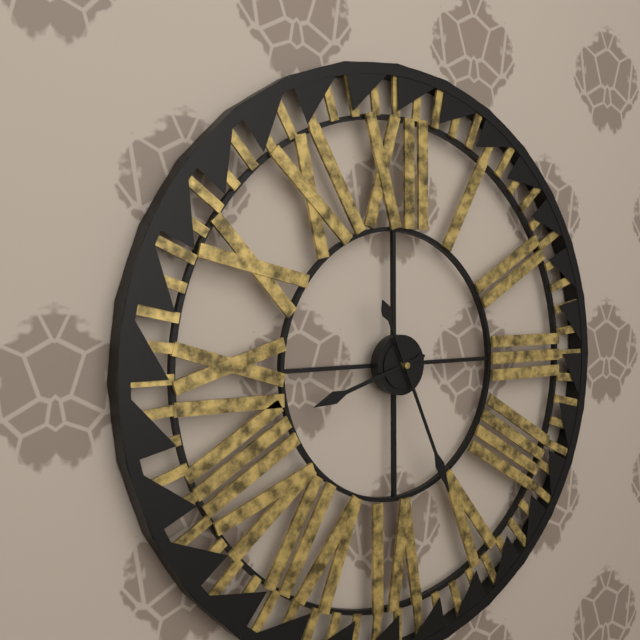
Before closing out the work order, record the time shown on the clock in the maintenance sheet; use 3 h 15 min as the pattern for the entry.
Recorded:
8 h 26 min
